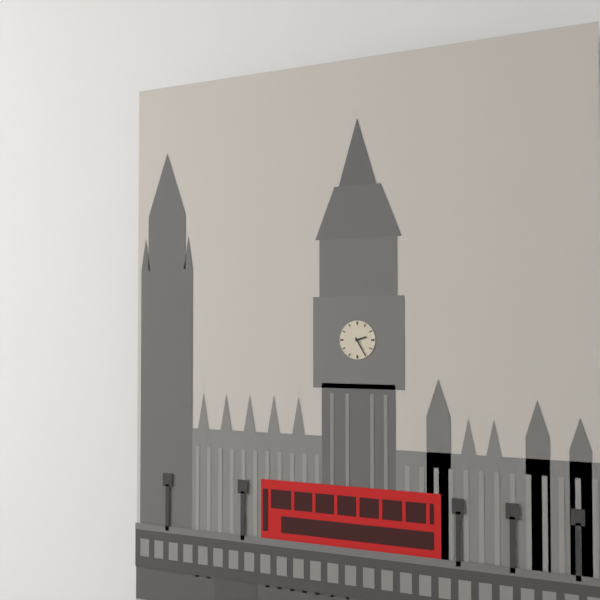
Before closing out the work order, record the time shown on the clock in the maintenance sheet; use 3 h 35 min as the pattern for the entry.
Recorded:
2 h 25 min
